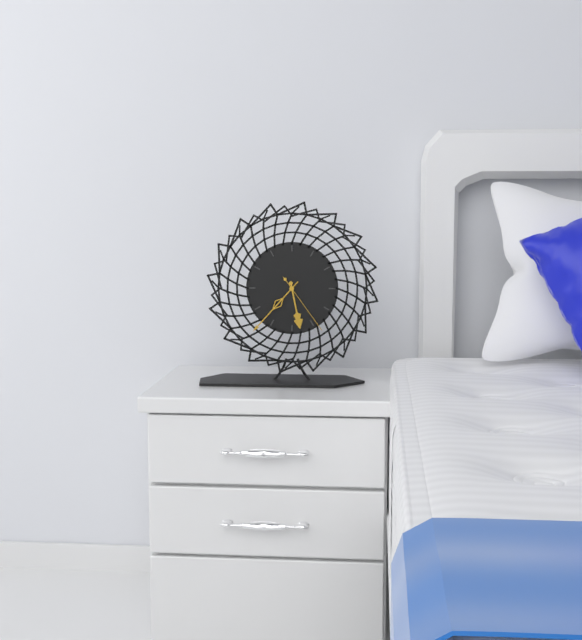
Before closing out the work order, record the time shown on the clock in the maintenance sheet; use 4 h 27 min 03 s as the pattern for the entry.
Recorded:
5 h 37 min 24 s
